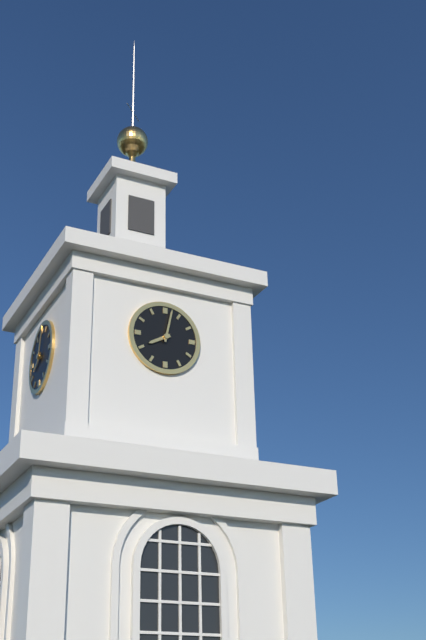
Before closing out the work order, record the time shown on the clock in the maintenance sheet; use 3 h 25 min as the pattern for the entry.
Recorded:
8 h 02 min
